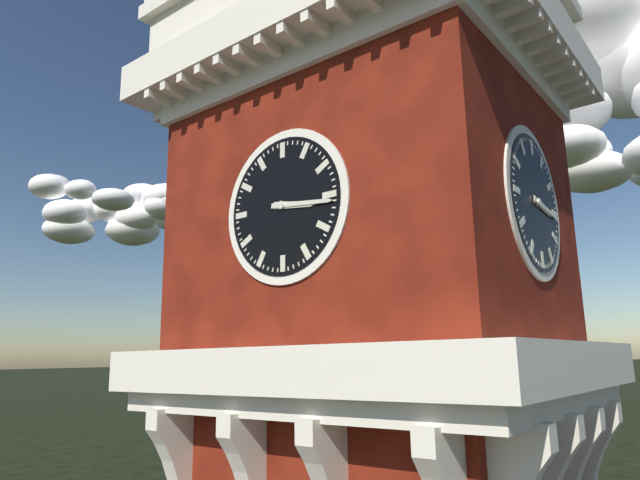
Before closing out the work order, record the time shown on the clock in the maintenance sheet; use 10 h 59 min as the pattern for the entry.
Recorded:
3 h 16 min
